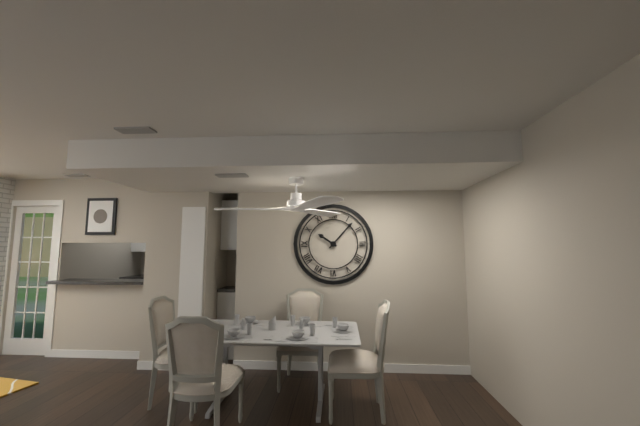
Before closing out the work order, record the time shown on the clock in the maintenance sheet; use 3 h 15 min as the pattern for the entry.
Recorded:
10 h 07 min
